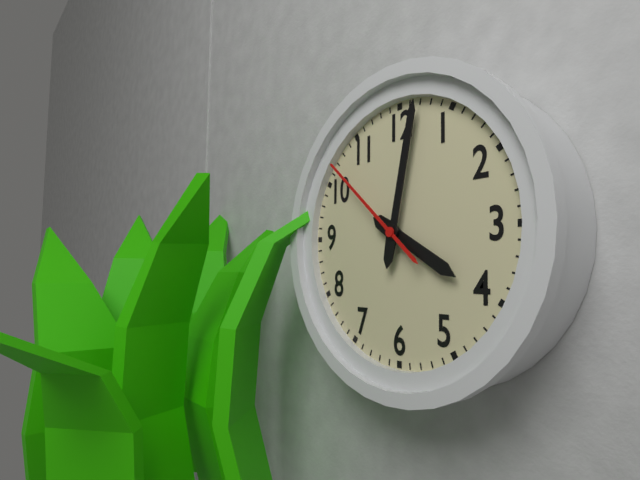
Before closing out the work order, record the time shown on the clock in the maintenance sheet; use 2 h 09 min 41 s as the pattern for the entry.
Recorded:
4 h 02 min 52 s
